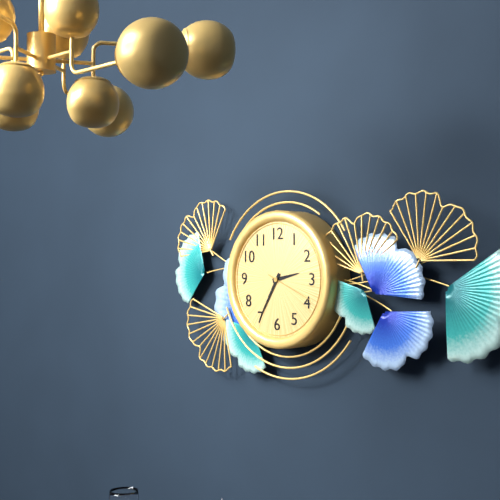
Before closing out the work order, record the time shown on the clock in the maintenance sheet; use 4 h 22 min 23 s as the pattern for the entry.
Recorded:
2 h 35 min 19 s
